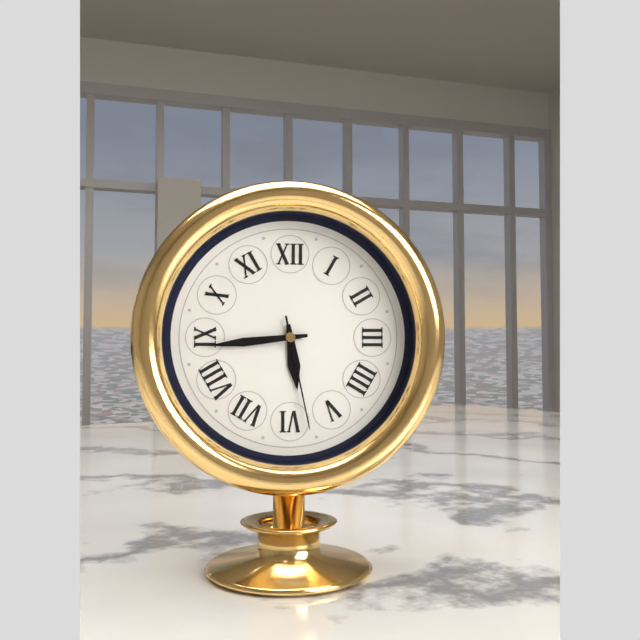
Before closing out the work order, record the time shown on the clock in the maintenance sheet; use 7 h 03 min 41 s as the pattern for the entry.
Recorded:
5 h 44 min 28 s
